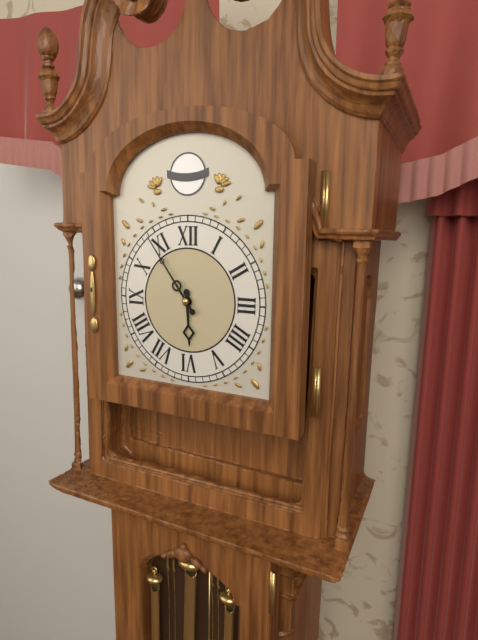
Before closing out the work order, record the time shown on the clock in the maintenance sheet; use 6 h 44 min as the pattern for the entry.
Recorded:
5 h 54 min
